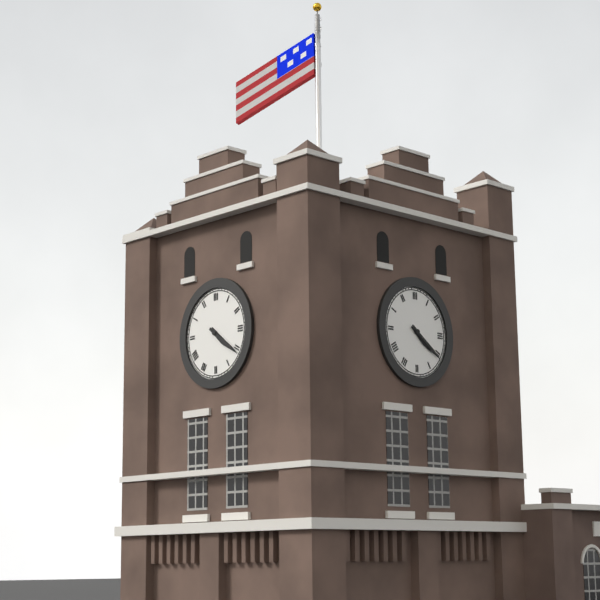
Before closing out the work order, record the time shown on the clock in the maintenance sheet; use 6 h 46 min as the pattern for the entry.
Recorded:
4 h 21 min
